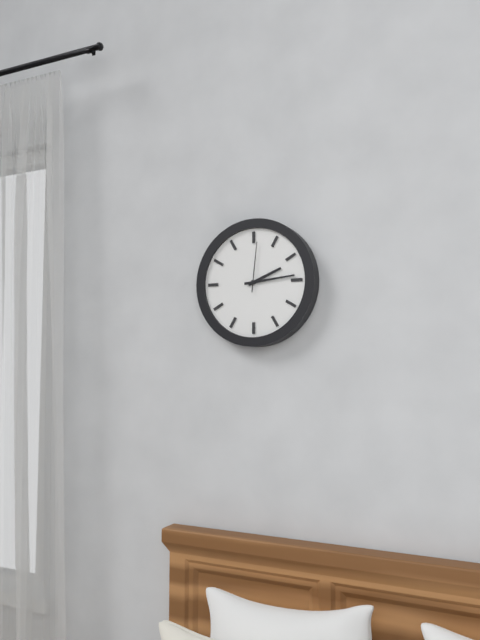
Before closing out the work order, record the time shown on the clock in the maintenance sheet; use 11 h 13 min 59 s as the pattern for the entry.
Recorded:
2 h 14 min 01 s
